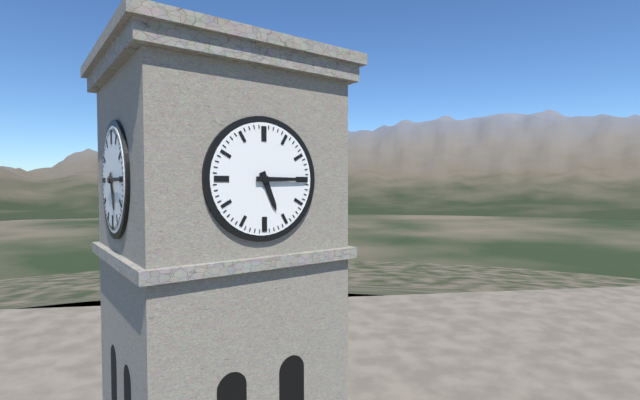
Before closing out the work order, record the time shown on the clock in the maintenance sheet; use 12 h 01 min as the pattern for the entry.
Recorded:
5 h 15 min
